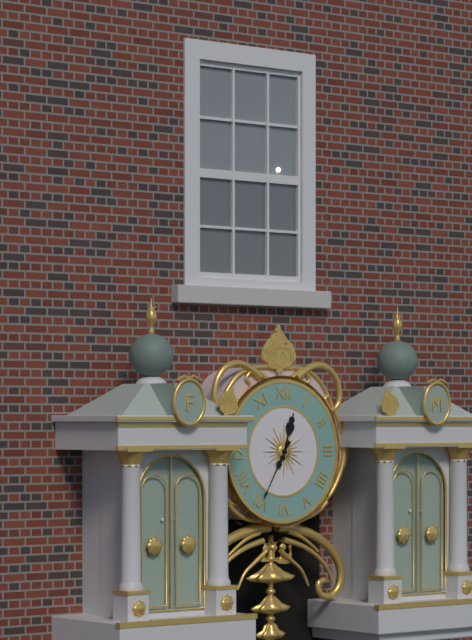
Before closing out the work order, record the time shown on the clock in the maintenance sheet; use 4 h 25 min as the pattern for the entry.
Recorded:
12 h 35 min
